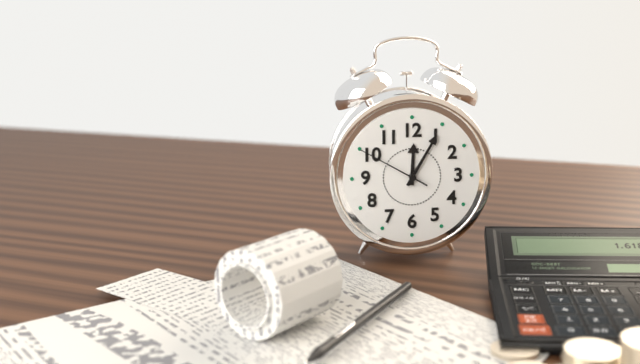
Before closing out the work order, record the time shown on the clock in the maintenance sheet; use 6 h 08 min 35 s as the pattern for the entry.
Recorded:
12 h 05 min 50 s
